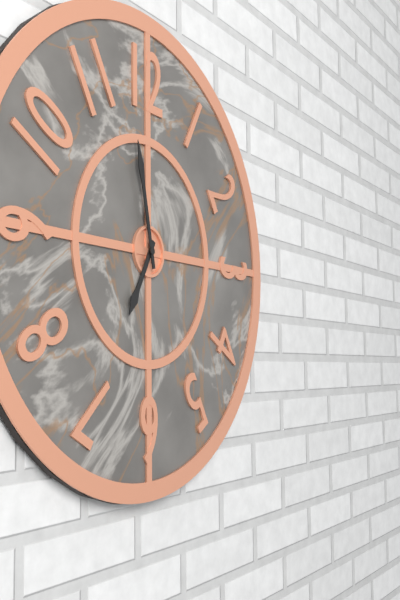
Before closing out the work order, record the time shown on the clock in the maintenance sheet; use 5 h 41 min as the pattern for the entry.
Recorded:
6 h 58 min
